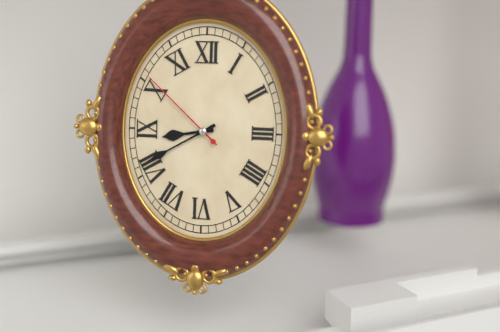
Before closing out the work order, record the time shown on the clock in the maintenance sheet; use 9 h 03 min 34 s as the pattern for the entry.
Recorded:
8 h 40 min 52 s
